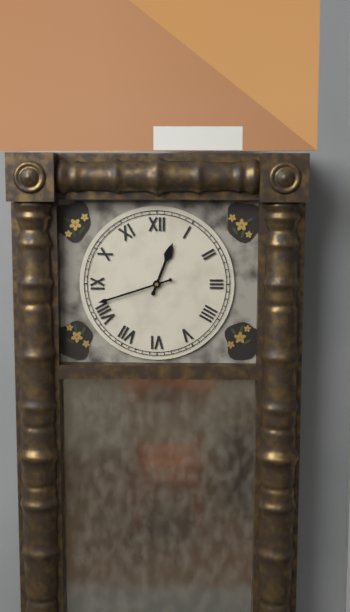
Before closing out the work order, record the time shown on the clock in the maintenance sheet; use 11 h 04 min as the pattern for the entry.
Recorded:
12 h 42 min
